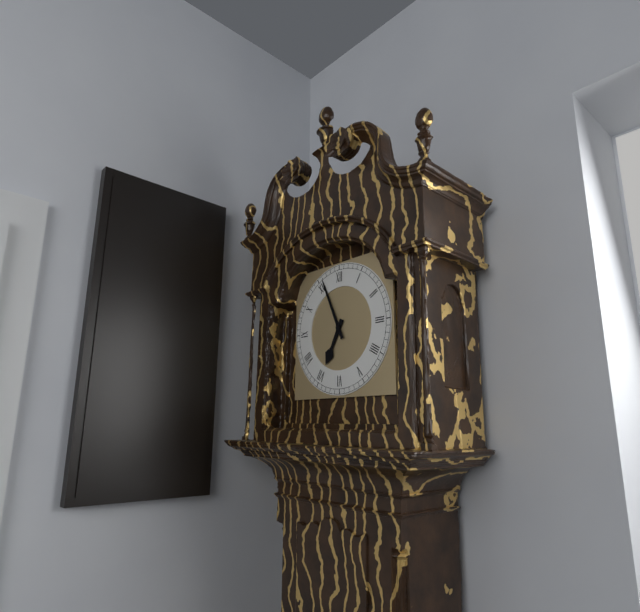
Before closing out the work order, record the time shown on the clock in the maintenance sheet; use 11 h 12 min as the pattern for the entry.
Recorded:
6 h 56 min
